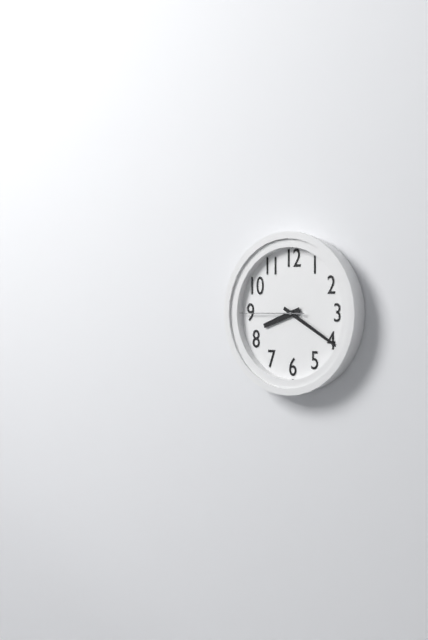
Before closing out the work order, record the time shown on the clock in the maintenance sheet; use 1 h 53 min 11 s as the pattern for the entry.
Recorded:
8 h 20 min 45 s
